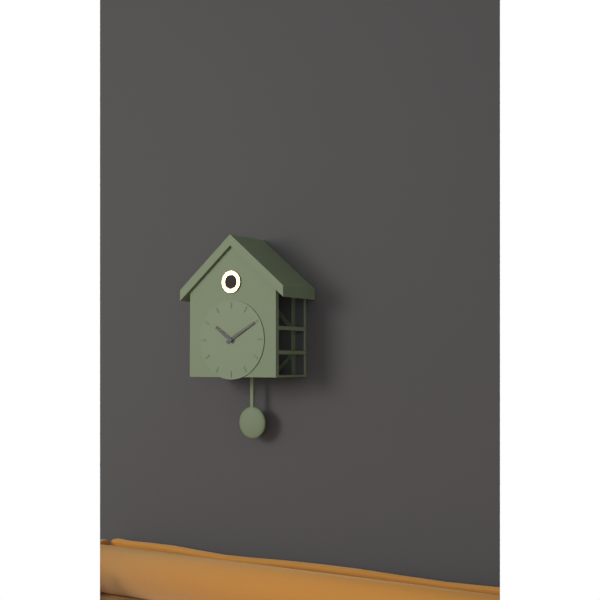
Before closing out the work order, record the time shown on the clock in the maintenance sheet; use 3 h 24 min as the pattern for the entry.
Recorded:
10 h 10 min
